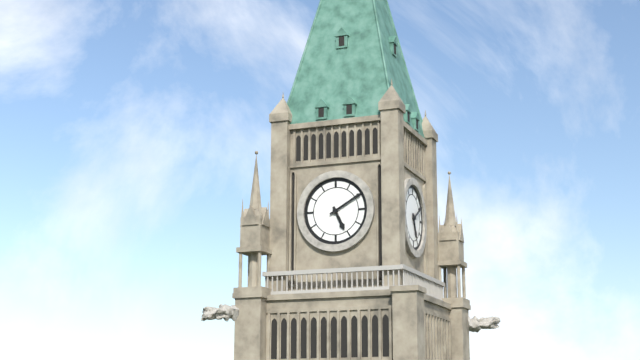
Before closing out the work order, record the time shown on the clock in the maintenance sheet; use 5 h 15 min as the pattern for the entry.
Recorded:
5 h 10 min
